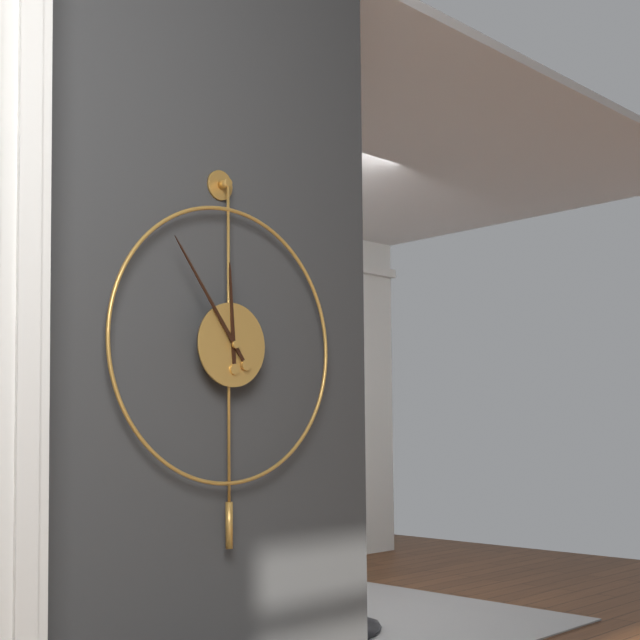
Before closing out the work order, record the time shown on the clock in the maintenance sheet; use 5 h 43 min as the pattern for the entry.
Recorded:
11 h 54 min
